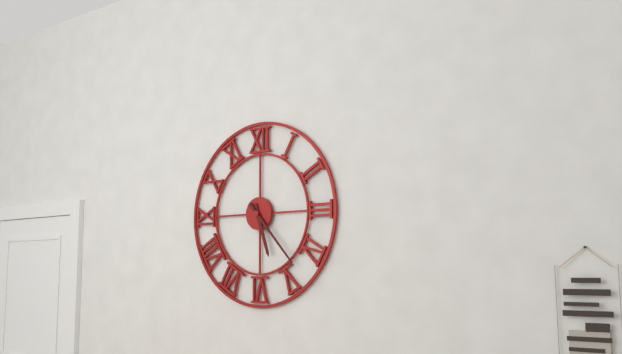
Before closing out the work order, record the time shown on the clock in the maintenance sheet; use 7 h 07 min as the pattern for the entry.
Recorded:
5 h 23 min
